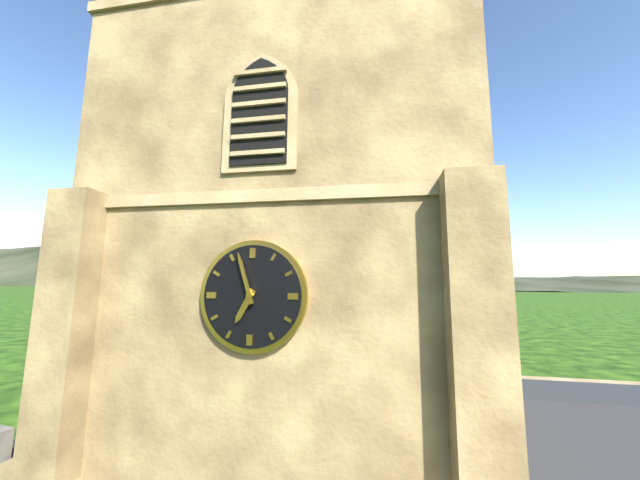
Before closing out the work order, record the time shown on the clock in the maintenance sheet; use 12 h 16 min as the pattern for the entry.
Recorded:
6 h 57 min
